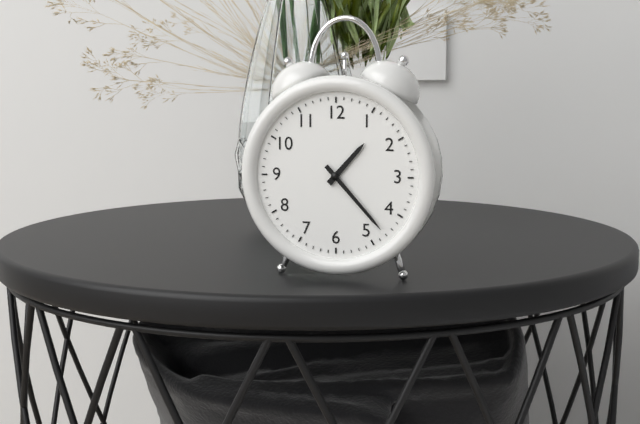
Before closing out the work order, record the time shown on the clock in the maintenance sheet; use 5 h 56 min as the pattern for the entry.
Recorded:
1 h 23 min
